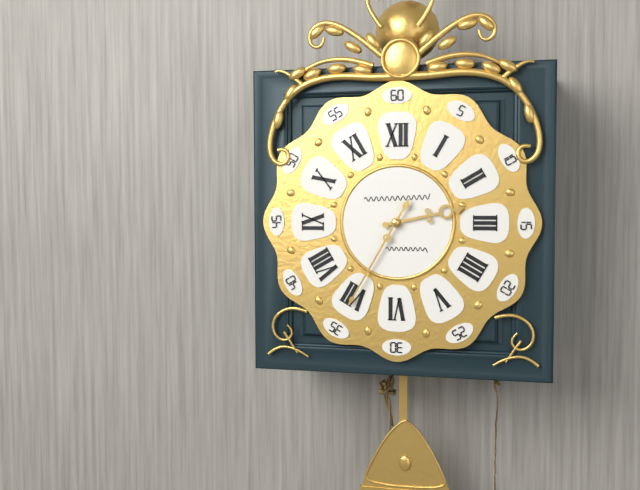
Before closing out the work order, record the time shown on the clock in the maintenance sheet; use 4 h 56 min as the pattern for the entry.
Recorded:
2 h 35 min
